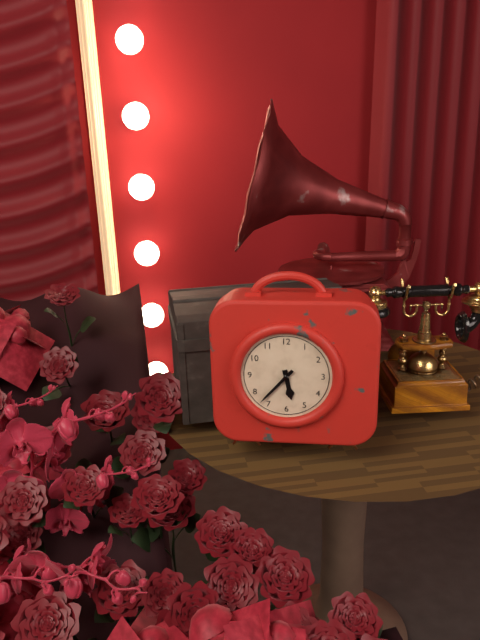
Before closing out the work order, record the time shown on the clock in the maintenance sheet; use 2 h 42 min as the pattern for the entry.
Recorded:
5 h 37 min
